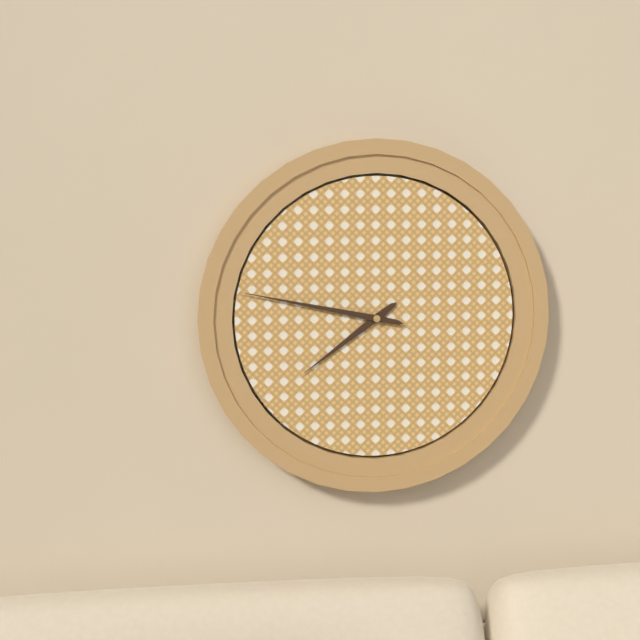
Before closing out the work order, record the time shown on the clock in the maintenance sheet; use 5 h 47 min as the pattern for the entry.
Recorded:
7 h 47 min
